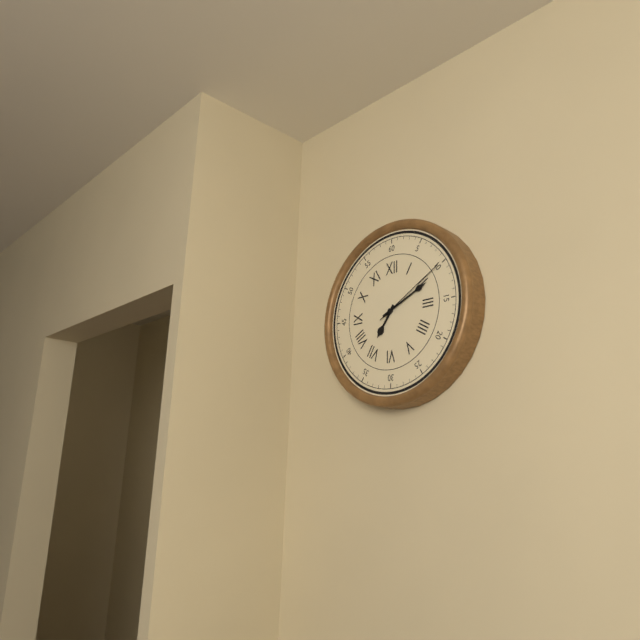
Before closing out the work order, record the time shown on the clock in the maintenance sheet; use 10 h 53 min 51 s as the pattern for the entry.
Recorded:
7 h 11 min 10 s
